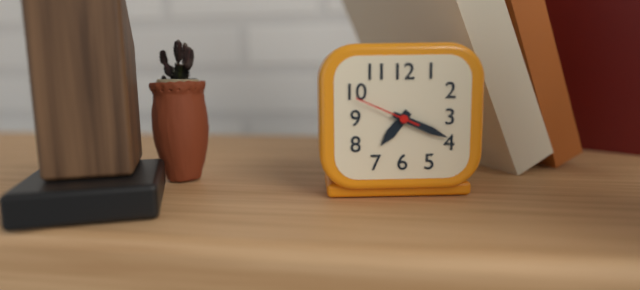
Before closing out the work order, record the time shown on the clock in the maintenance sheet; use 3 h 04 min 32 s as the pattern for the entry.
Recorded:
7 h 19 min 49 s
